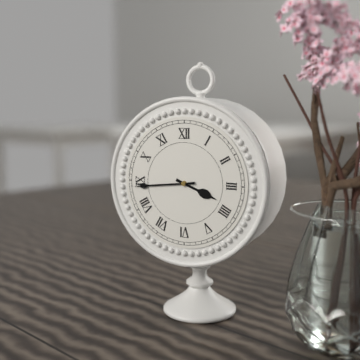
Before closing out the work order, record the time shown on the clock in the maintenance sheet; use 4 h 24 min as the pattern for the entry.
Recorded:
3 h 44 min
